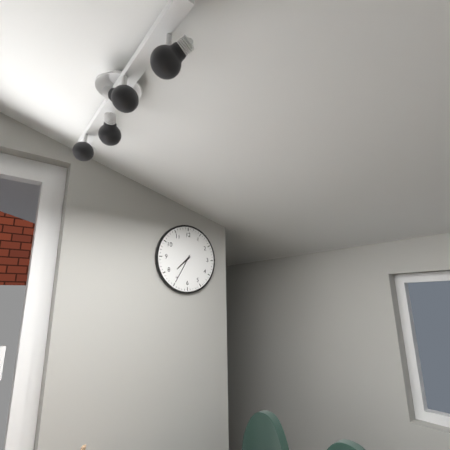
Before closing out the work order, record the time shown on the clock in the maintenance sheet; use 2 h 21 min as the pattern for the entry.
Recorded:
7 h 35 min
